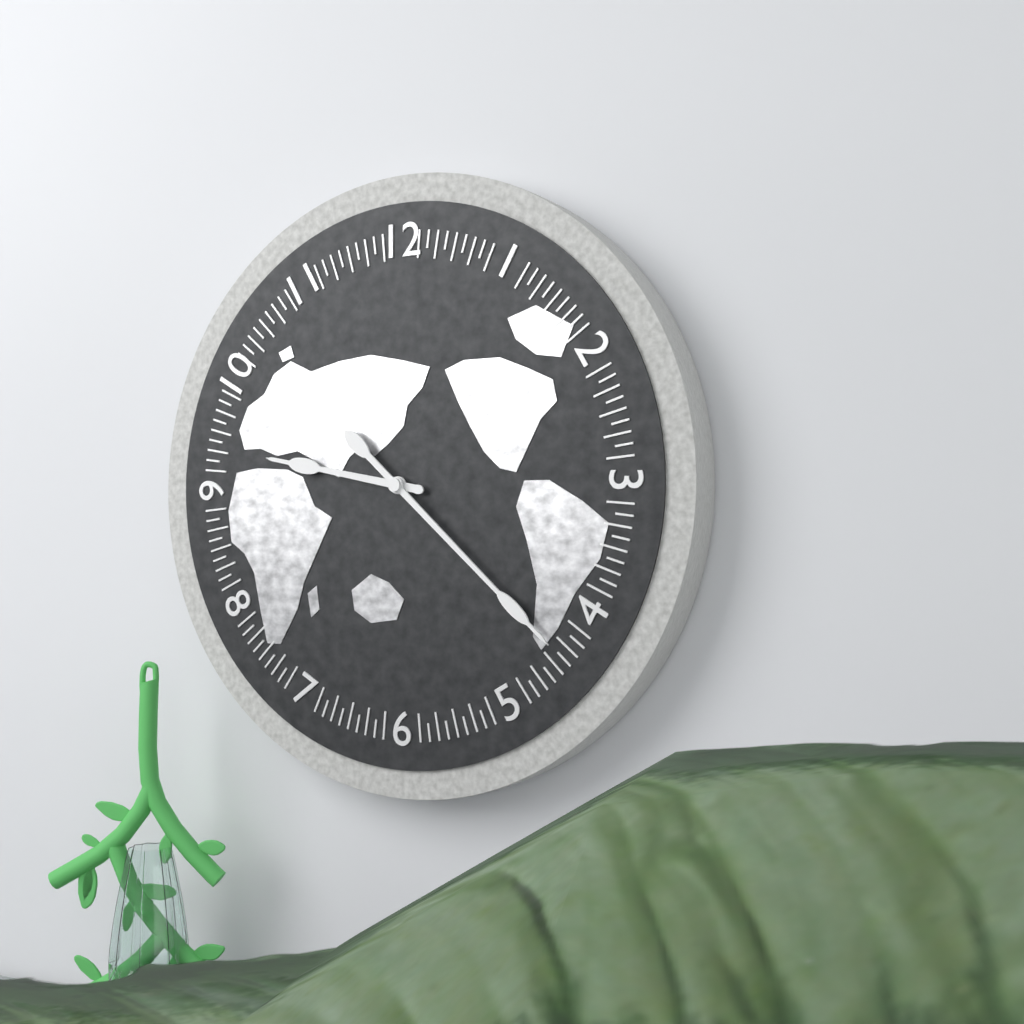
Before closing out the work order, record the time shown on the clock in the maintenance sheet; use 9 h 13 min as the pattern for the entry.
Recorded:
9 h 22 min
